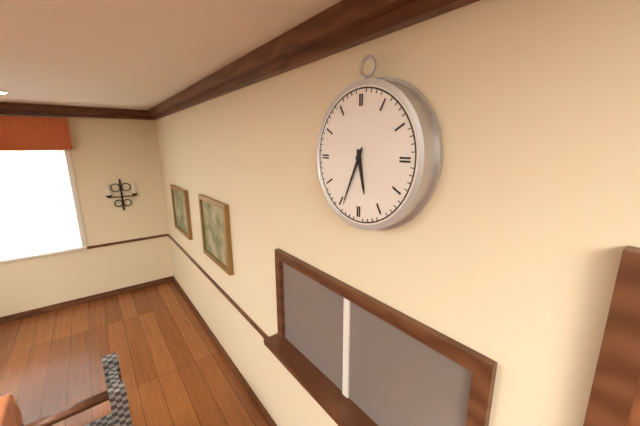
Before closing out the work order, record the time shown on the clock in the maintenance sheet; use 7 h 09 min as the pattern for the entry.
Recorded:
5 h 34 min
